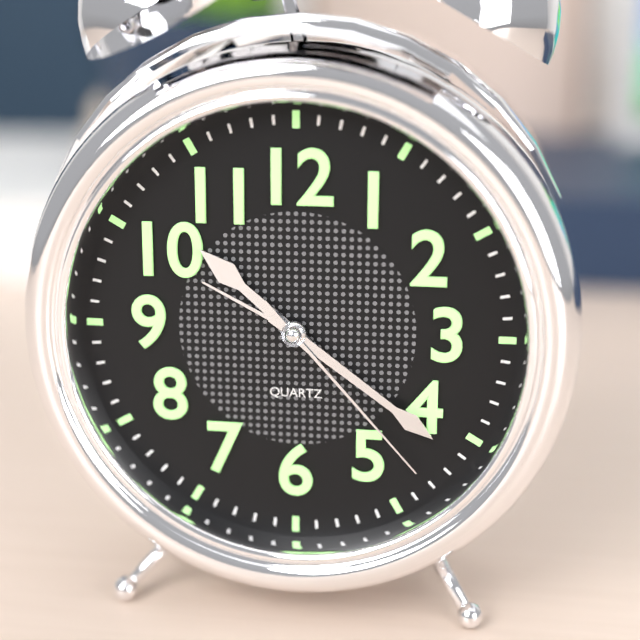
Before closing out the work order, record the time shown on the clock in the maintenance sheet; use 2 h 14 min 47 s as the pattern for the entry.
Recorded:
10 h 21 min 23 s
